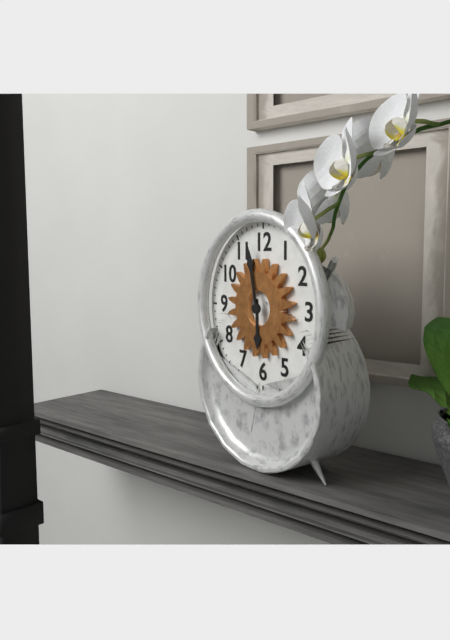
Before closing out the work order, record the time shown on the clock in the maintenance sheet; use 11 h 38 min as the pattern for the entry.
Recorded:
5 h 58 min
